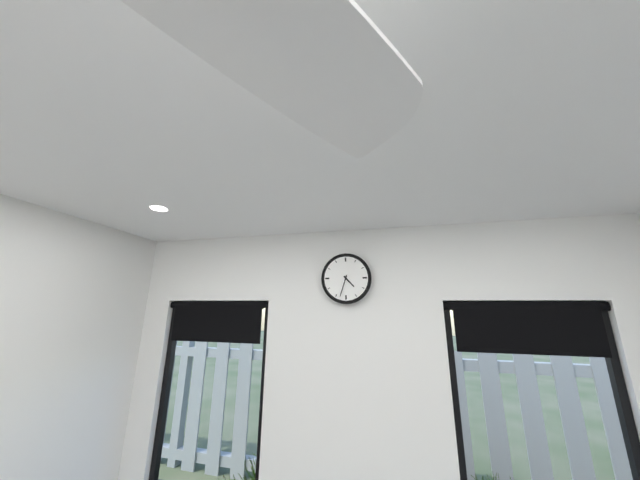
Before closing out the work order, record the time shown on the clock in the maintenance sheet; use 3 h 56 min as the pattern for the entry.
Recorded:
4 h 33 min
